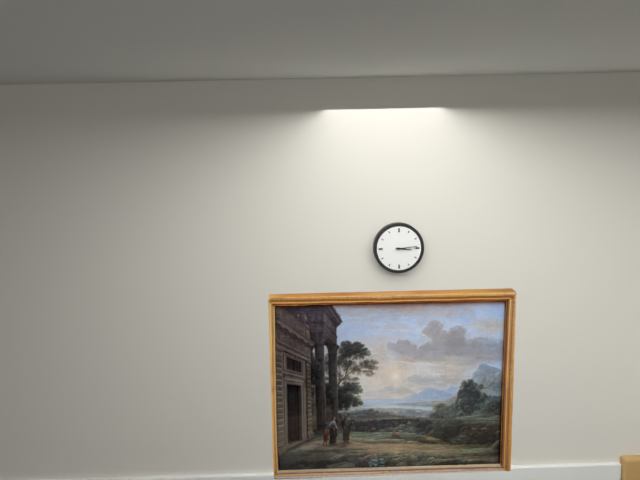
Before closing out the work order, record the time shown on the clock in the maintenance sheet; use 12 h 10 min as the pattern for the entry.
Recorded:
3 h 14 min
